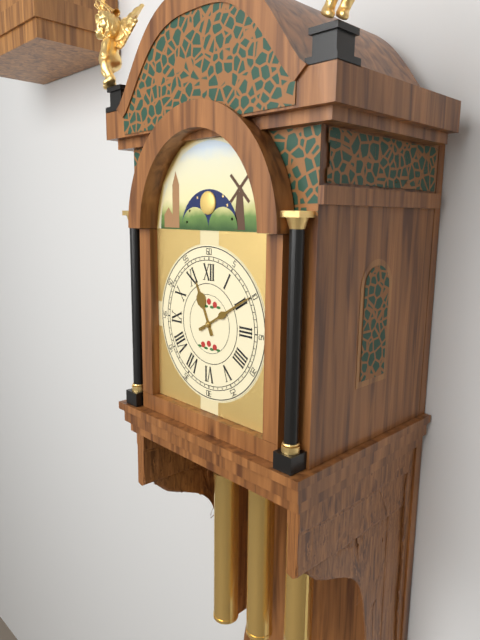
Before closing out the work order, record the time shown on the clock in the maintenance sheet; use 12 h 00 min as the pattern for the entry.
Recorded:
11 h 10 min
